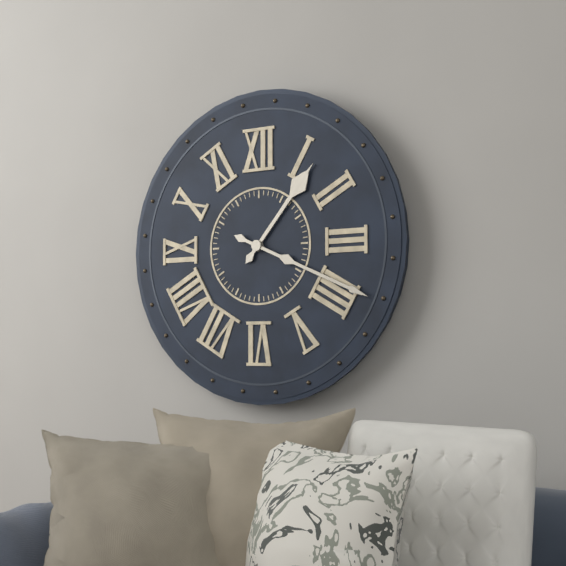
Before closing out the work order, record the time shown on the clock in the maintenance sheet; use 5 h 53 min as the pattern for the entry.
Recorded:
1 h 19 min
